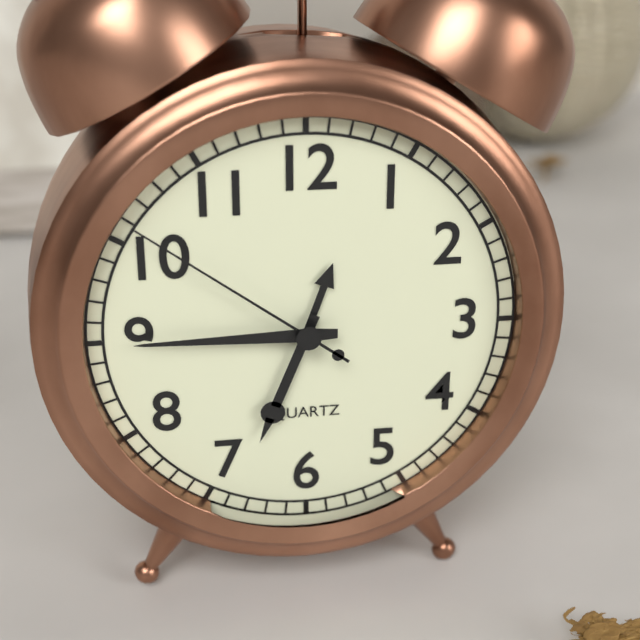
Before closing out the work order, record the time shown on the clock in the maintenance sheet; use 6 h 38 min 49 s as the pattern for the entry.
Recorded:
6 h 45 min 51 s
